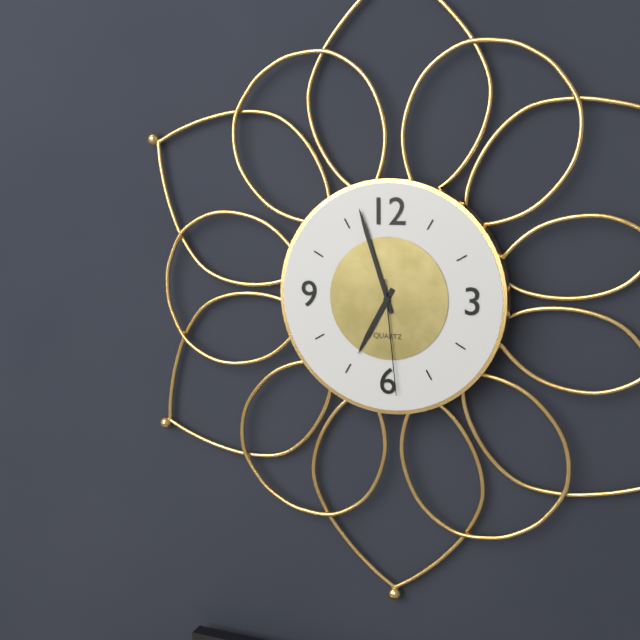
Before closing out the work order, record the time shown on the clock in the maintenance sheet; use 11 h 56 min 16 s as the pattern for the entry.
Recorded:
6 h 57 min 29 s
